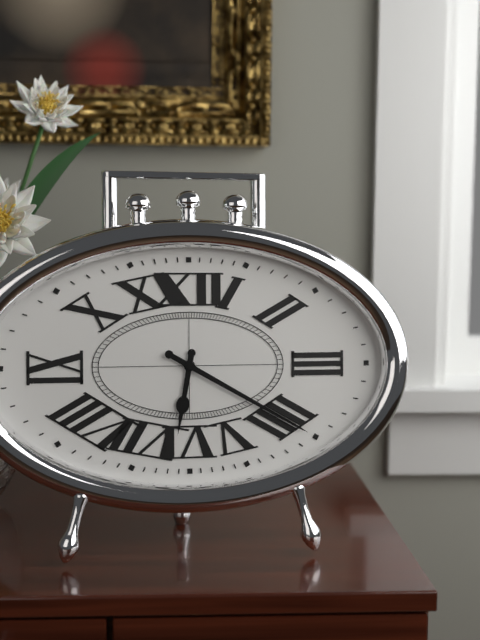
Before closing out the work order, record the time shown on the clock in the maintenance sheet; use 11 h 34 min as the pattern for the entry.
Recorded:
6 h 20 min
